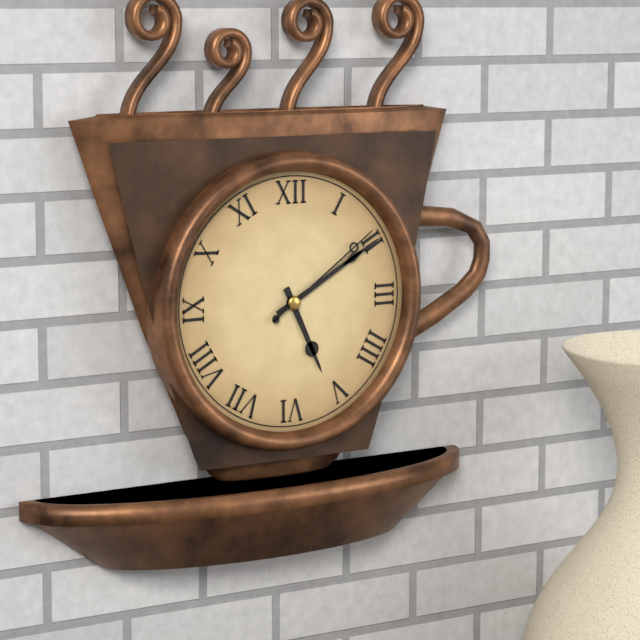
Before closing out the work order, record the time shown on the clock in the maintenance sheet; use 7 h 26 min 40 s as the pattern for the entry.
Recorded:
5 h 10 min 09 s
